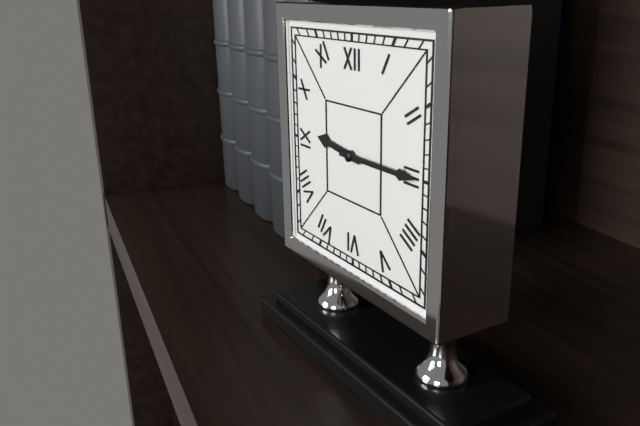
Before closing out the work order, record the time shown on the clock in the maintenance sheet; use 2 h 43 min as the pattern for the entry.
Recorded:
9 h 15 min
